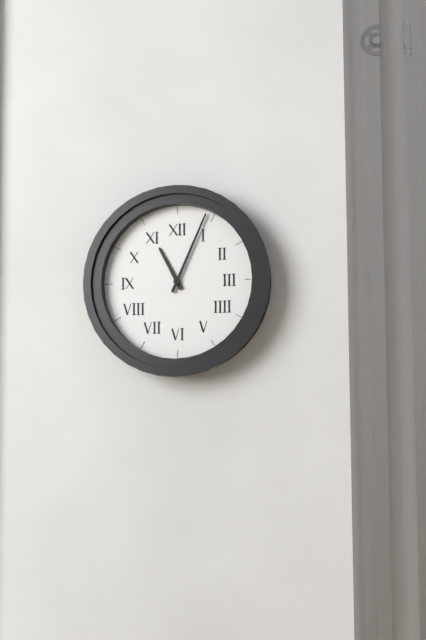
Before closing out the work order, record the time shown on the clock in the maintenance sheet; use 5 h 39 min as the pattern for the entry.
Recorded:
11 h 04 min
